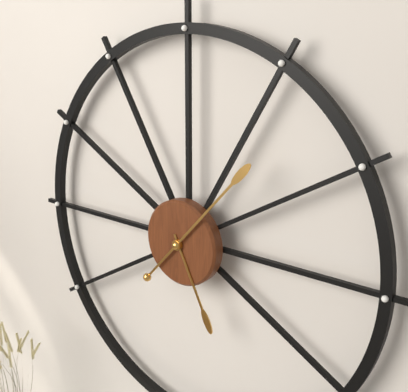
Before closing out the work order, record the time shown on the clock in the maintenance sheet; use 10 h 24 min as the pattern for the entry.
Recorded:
5 h 07 min
